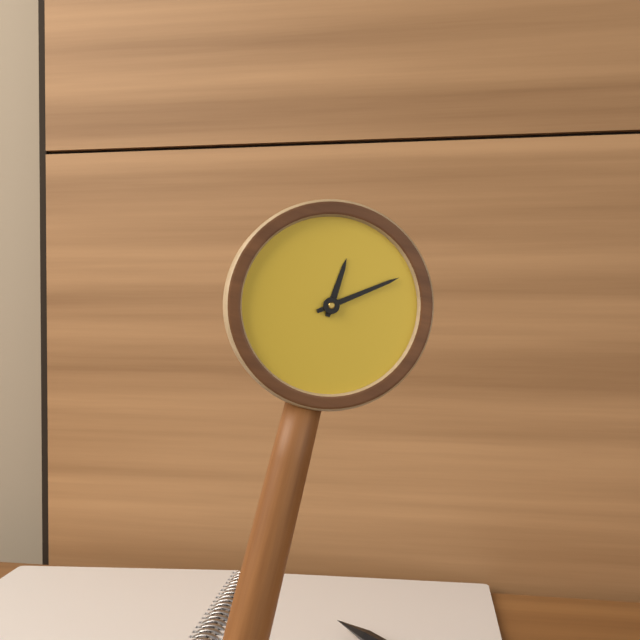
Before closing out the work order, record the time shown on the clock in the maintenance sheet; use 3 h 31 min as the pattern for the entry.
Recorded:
12 h 09 min
